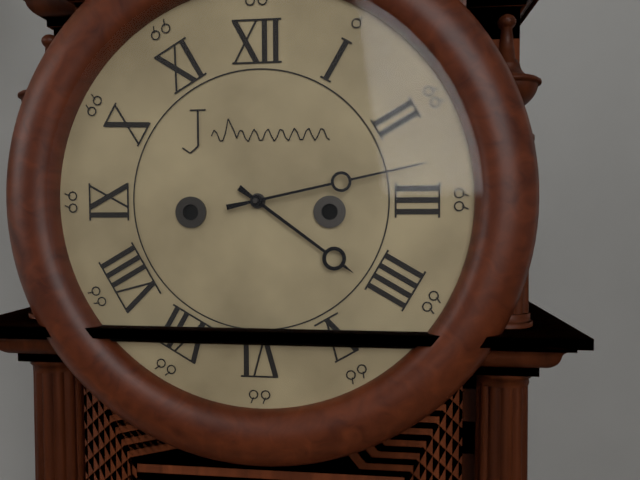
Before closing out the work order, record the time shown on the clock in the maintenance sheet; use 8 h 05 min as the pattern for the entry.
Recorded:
4 h 13 min
